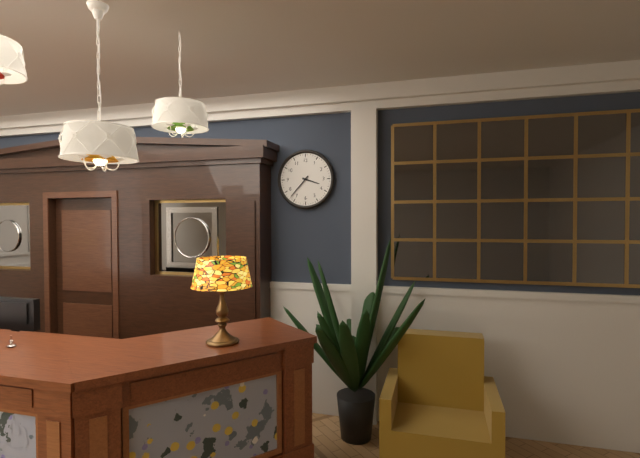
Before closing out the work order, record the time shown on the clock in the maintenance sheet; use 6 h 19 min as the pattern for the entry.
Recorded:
3 h 37 min
